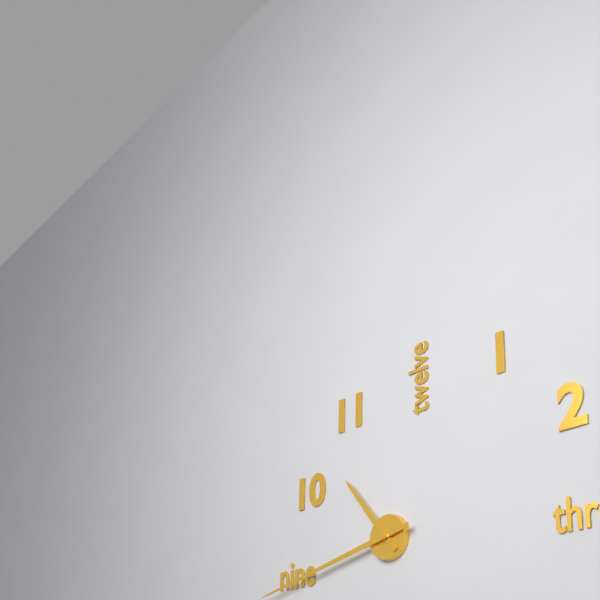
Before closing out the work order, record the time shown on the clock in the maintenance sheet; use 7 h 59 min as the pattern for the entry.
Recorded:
10 h 43 min
